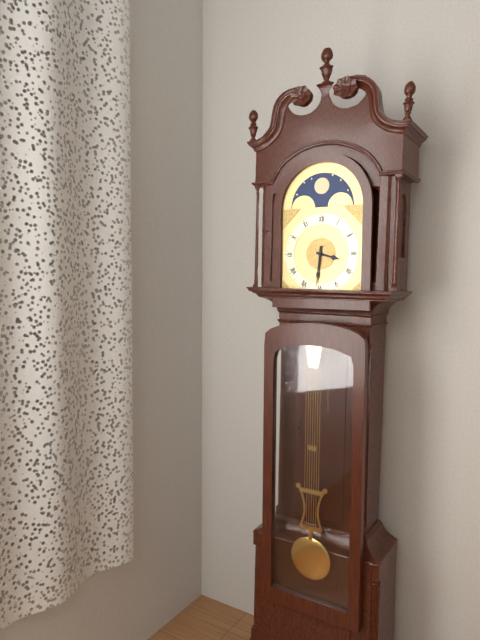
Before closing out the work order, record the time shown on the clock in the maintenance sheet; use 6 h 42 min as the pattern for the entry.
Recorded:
3 h 31 min
